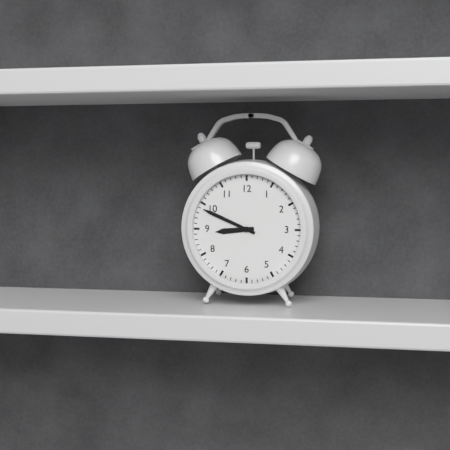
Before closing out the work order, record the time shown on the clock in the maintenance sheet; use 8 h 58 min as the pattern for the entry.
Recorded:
8 h 49 min
